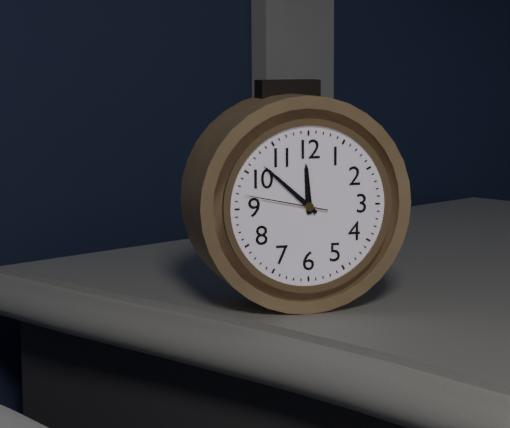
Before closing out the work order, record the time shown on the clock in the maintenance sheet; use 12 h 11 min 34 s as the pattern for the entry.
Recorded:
11 h 52 min 47 s
